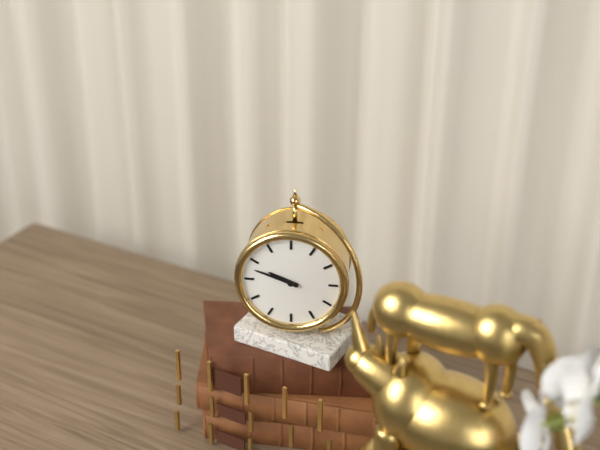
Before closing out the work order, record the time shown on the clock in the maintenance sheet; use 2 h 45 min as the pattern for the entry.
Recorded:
9 h 48 min
